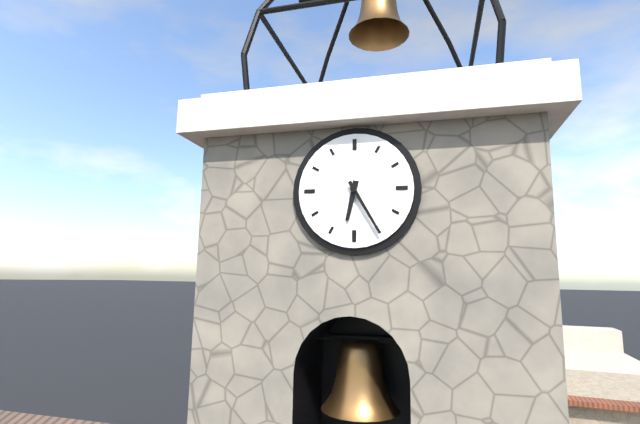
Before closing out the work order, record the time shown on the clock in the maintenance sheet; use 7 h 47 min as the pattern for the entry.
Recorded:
6 h 25 min
